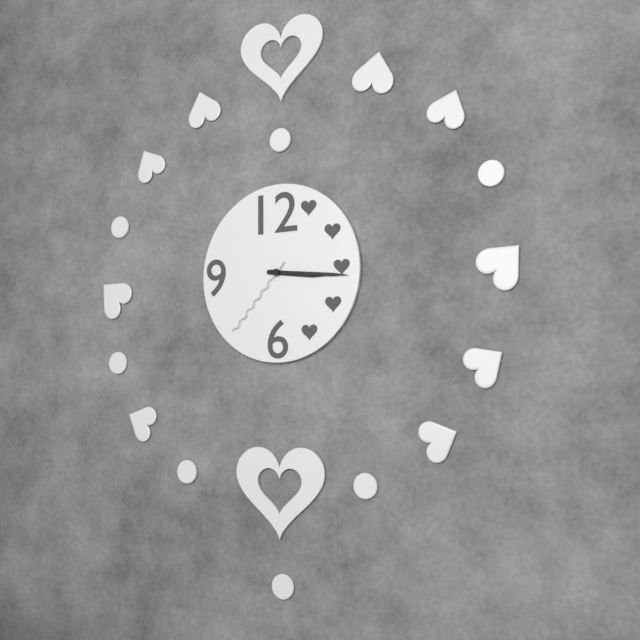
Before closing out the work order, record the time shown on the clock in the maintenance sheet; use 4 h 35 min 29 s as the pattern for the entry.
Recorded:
3 h 16 min 37 s
